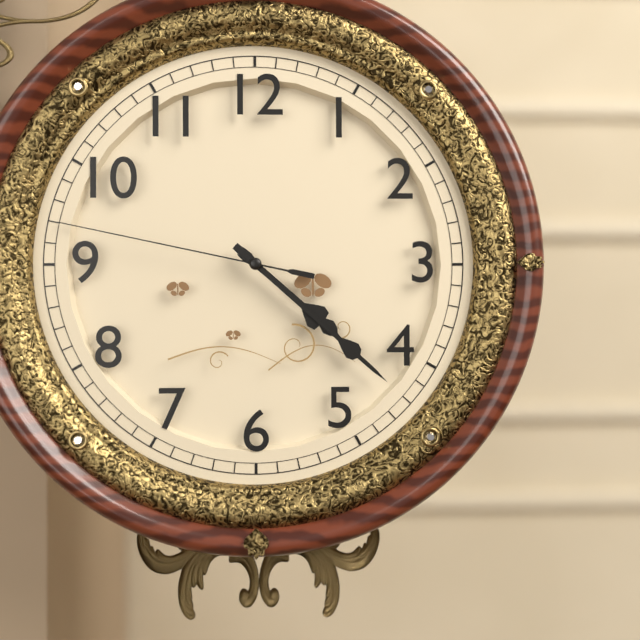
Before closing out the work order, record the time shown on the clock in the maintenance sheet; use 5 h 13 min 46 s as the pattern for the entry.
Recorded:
4 h 22 min 47 s
